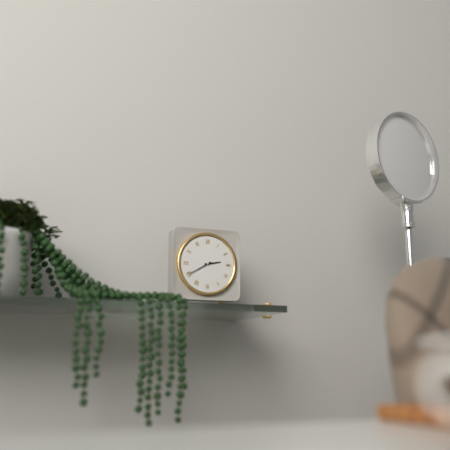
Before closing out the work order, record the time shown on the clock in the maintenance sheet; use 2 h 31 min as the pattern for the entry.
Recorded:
2 h 40 min
